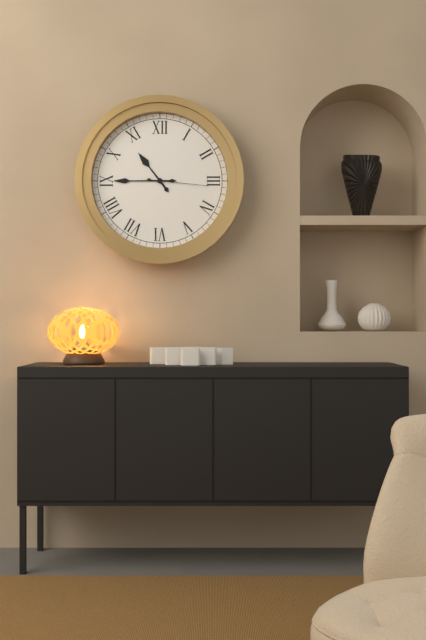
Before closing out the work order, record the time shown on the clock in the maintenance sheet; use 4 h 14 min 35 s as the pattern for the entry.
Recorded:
10 h 45 min 16 s
